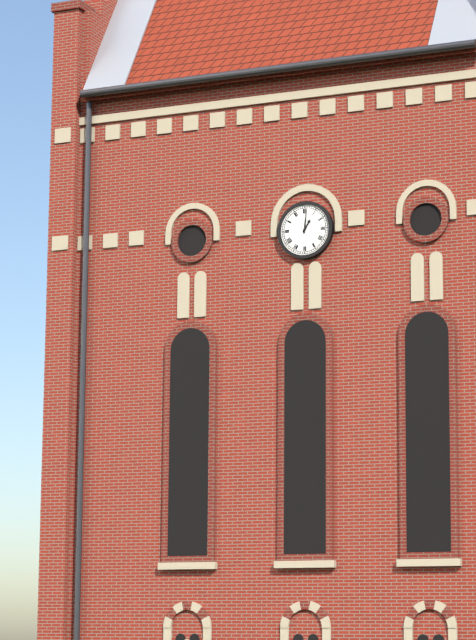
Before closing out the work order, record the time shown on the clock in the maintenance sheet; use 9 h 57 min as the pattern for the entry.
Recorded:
1 h 01 min
